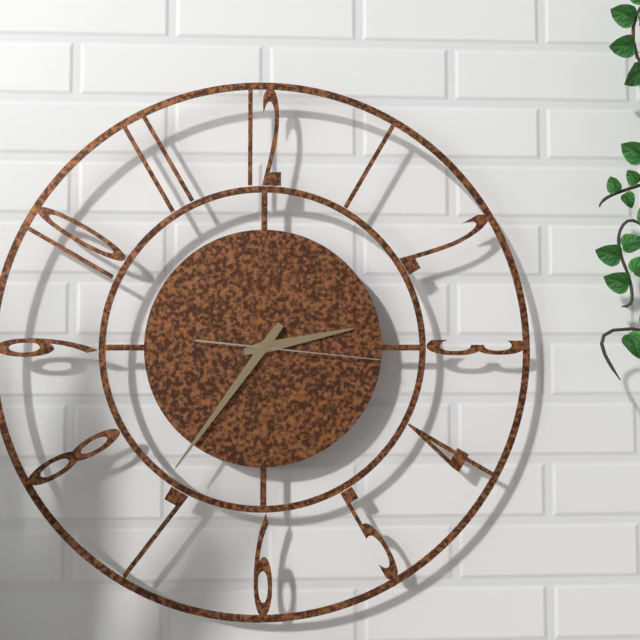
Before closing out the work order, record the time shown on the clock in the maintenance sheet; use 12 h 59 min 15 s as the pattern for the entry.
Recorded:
2 h 36 min 16 s
